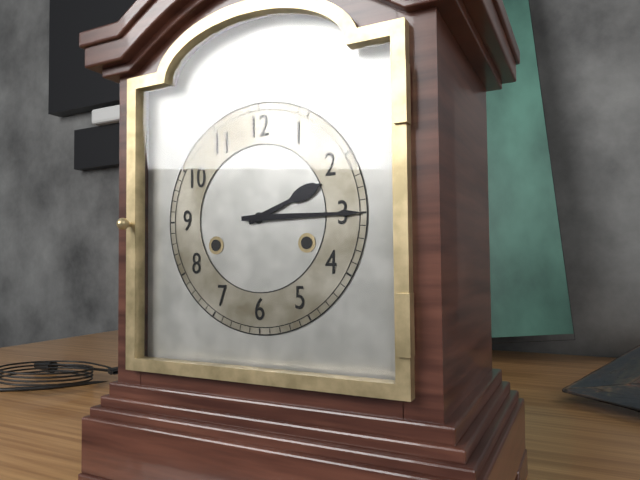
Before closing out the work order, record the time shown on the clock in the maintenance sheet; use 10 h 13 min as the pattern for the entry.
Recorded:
2 h 15 min
